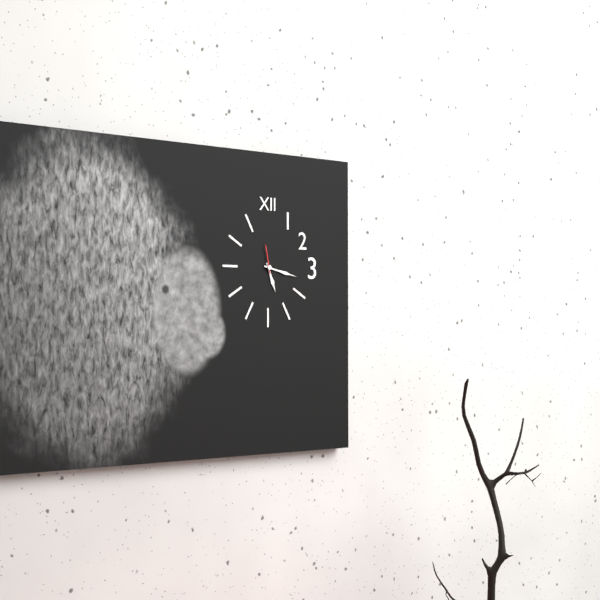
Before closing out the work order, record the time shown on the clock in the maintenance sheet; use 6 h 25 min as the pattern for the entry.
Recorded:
5 h 17 min
